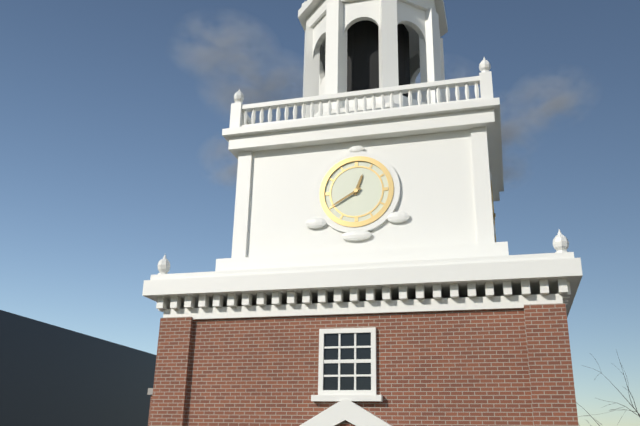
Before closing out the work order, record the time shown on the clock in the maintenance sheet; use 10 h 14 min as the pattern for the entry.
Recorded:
12 h 40 min
